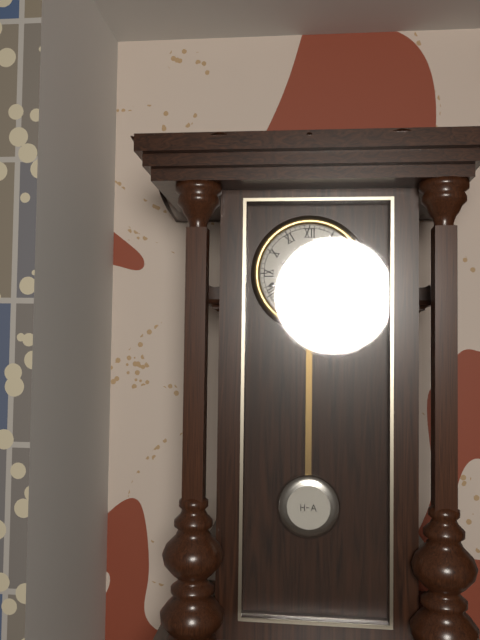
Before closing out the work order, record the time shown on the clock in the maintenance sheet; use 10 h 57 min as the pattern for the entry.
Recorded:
9 h 42 min
